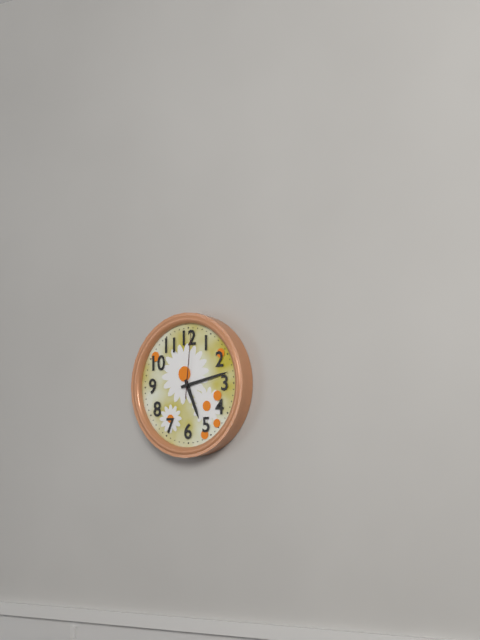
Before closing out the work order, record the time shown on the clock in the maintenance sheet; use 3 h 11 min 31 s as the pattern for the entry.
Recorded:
5 h 13 min 01 s
